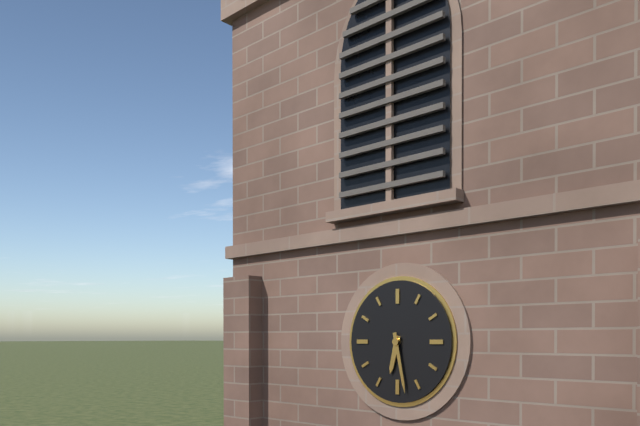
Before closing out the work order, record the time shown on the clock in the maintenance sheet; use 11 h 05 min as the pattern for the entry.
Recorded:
6 h 28 min
